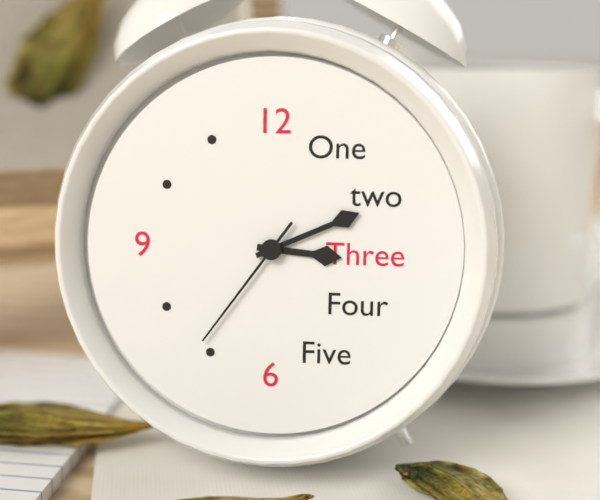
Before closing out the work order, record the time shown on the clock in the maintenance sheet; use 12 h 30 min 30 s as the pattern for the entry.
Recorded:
3 h 11 min 36 s
